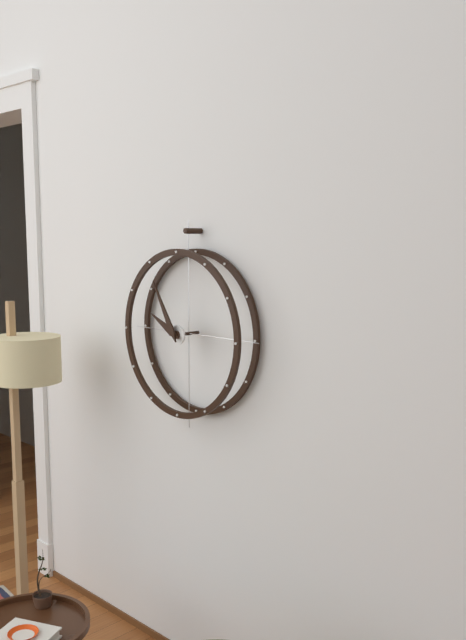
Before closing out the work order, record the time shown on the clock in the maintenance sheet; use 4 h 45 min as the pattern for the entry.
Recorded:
9 h 55 min
